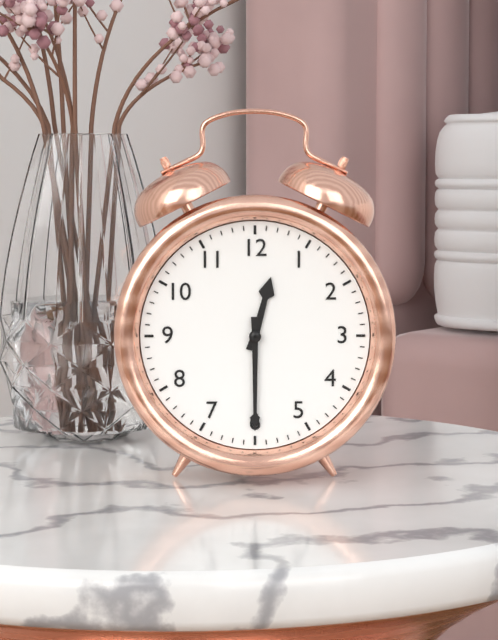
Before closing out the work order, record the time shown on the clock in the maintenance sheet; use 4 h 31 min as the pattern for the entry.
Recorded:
12 h 30 min
